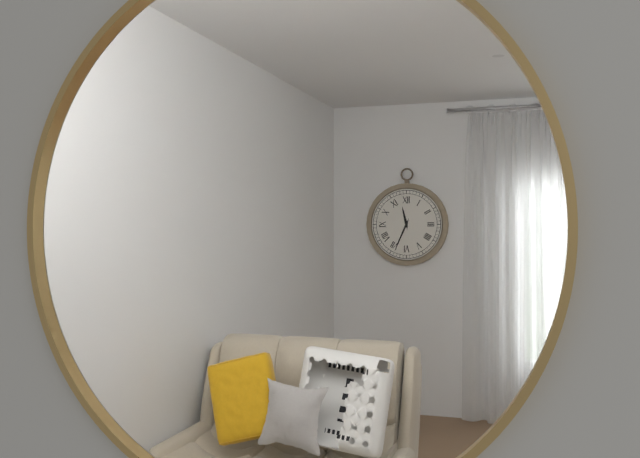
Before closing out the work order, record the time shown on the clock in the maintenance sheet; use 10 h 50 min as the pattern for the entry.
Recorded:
11 h 34 min
